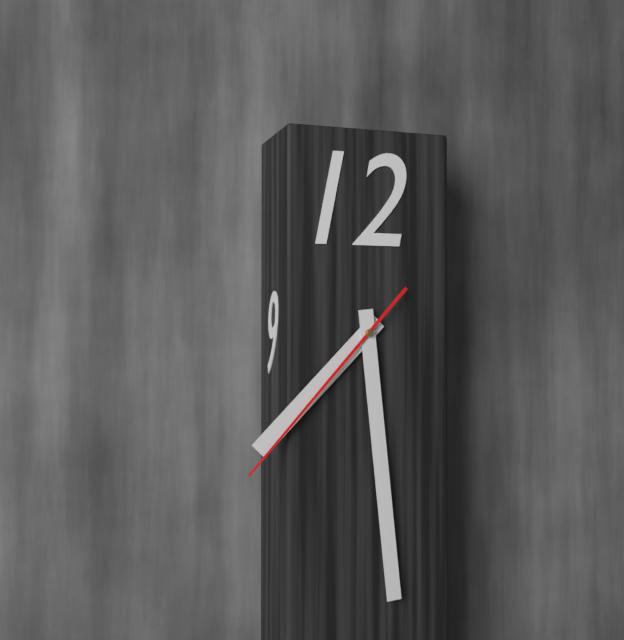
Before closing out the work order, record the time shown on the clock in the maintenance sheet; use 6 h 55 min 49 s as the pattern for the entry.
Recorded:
7 h 29 min 37 s
